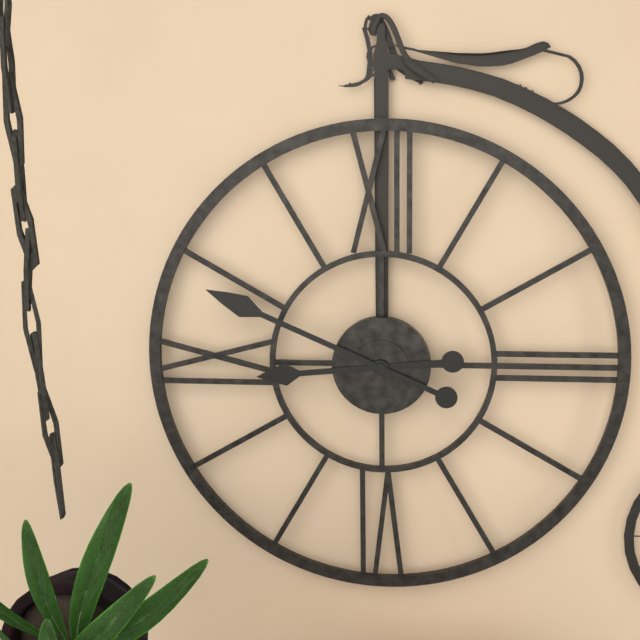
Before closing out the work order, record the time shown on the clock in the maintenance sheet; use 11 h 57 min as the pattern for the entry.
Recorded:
8 h 49 min
